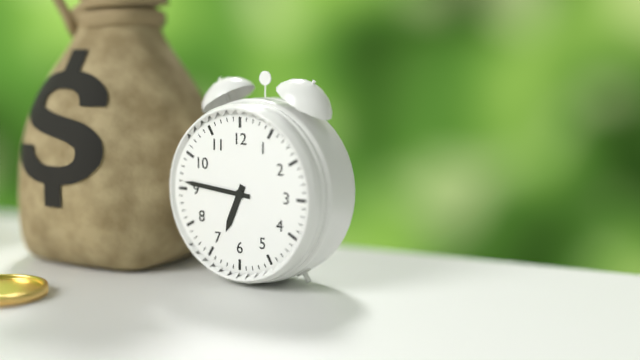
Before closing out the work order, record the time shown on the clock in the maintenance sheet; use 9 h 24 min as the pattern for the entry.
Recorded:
6 h 46 min
